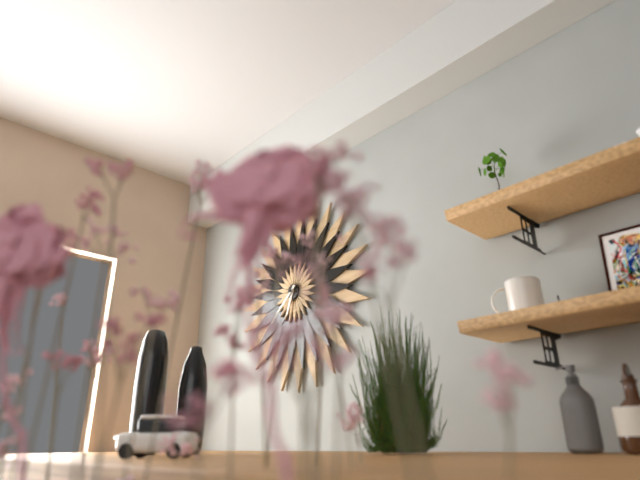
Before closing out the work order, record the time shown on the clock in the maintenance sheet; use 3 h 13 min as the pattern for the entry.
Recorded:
6 h 38 min
